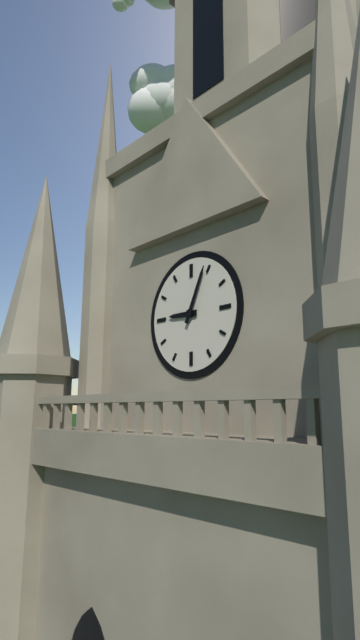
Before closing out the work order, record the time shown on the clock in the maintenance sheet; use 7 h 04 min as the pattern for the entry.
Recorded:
9 h 04 min
